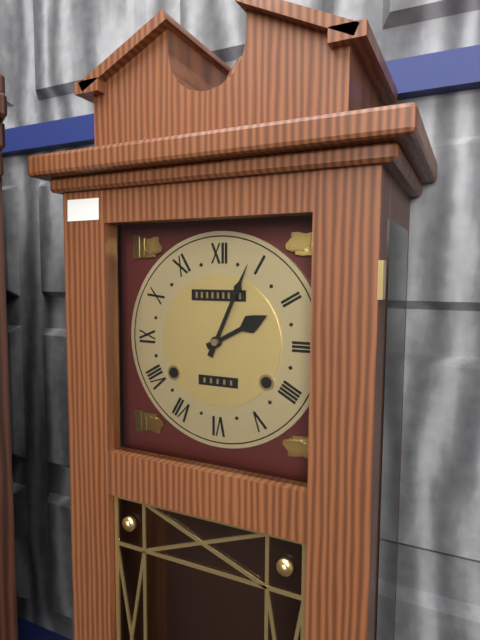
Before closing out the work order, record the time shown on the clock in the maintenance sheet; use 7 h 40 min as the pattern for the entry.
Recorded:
2 h 04 min
